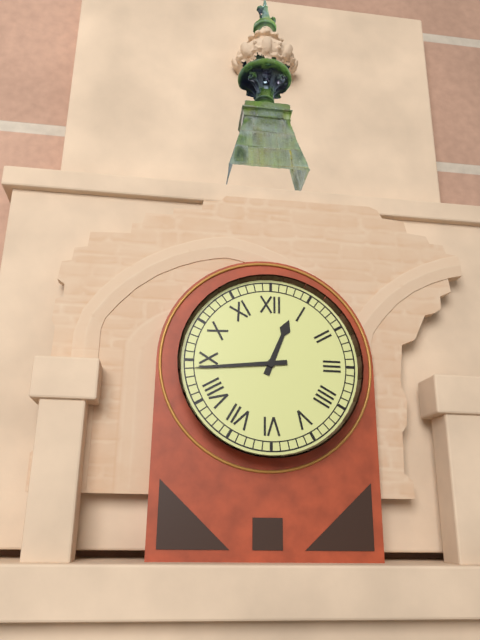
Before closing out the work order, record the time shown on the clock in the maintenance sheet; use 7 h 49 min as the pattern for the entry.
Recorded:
12 h 44 min
